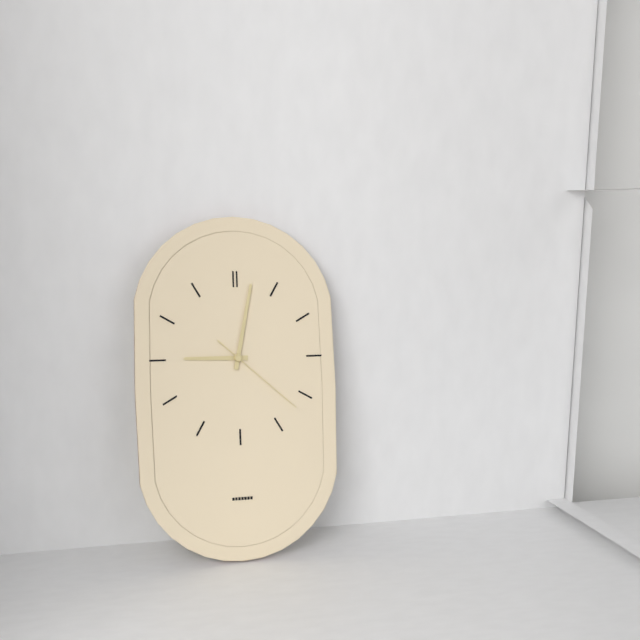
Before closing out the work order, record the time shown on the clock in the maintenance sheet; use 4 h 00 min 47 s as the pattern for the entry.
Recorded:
9 h 02 min 22 s
